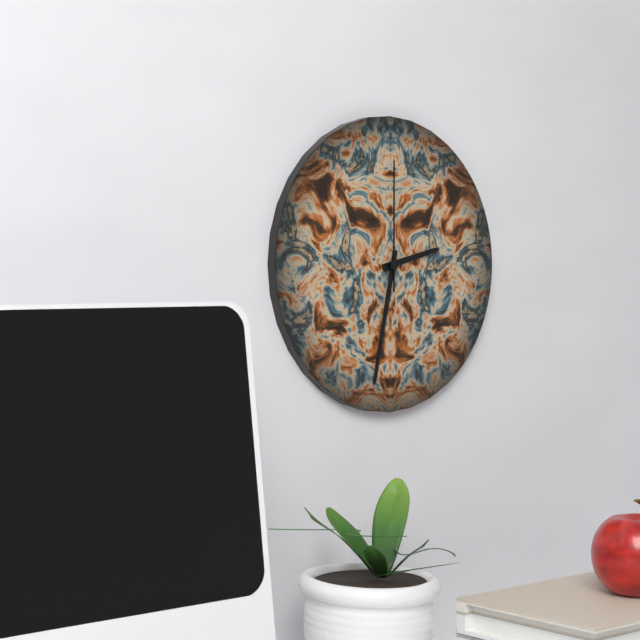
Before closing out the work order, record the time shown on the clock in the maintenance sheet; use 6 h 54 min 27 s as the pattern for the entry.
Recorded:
2 h 32 min 00 s
